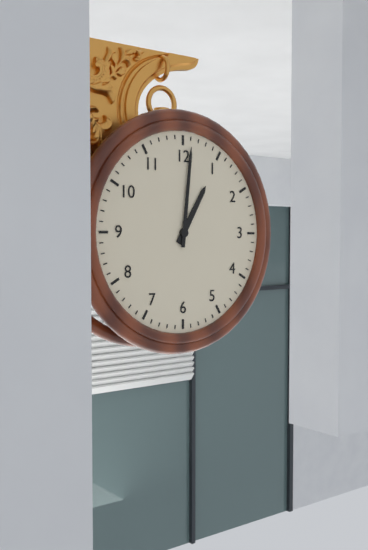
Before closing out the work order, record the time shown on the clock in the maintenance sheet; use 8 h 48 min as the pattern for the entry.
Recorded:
1 h 01 min
